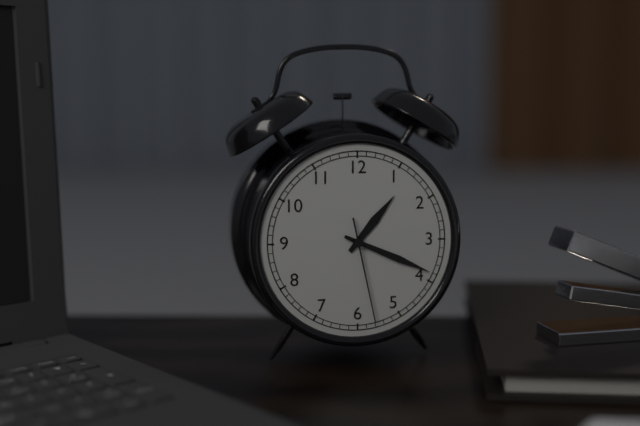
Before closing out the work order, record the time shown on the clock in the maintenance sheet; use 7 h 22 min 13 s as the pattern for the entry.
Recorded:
1 h 19 min 28 s
